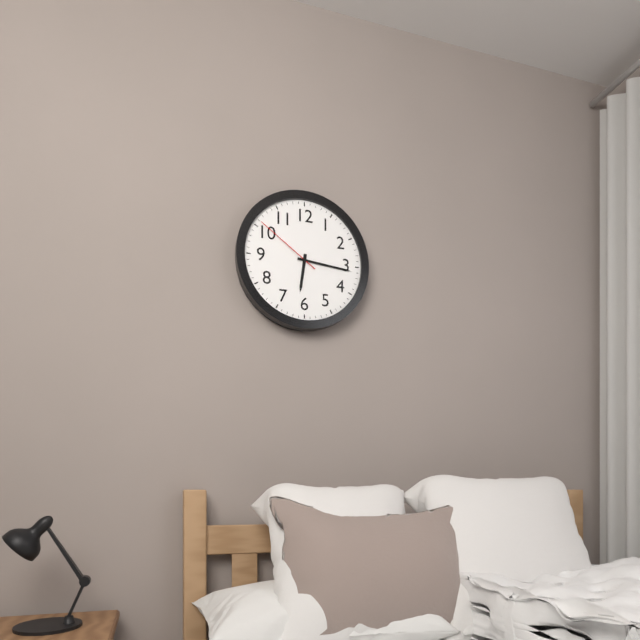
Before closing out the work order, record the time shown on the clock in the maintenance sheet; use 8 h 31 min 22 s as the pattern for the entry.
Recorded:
6 h 16 min 51 s
